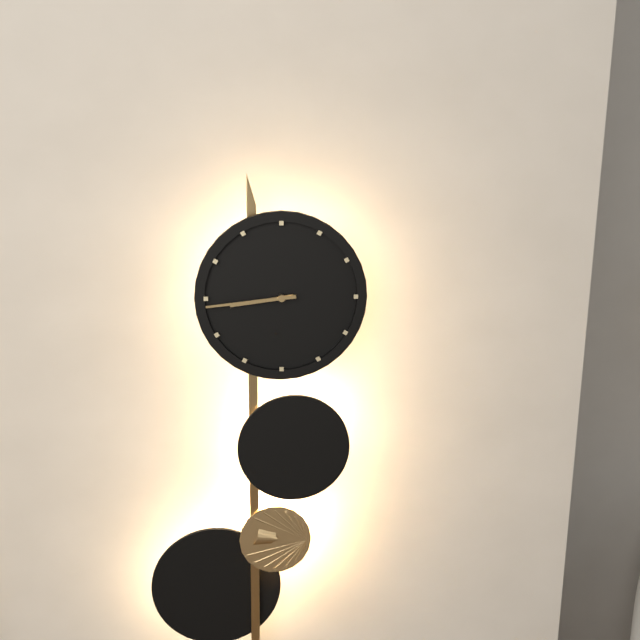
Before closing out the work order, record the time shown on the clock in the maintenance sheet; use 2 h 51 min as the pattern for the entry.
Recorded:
8 h 44 min
